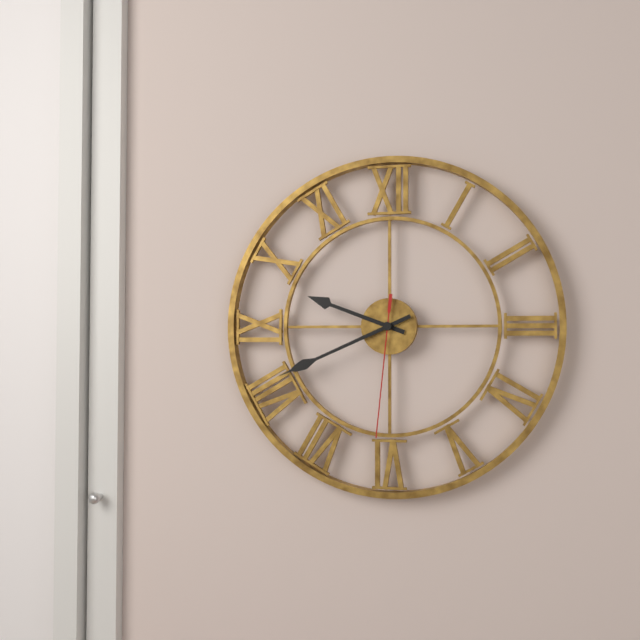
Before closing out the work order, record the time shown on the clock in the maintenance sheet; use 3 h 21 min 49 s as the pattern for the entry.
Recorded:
9 h 41 min 31 s
